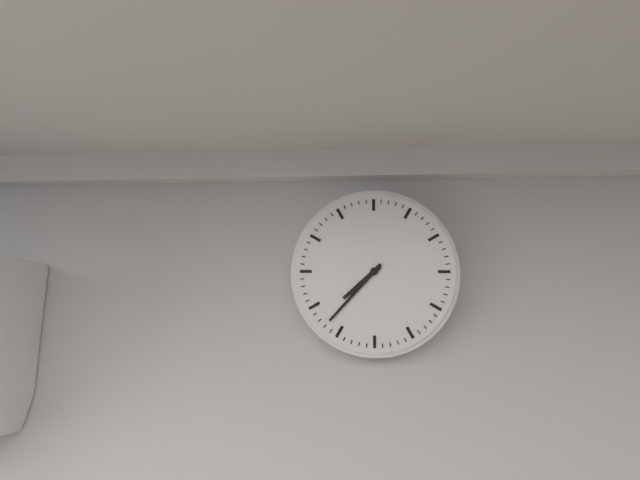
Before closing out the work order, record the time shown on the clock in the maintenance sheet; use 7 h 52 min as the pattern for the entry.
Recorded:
7 h 37 min
